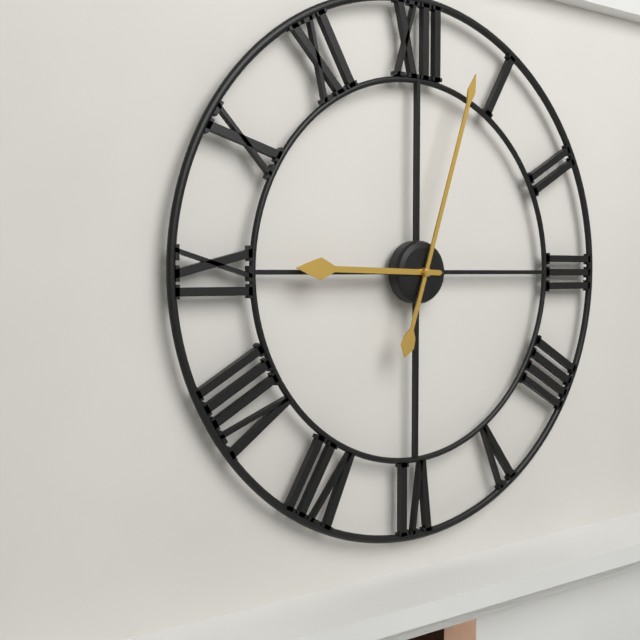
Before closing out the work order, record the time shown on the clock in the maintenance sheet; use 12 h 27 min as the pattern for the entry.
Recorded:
9 h 03 min
